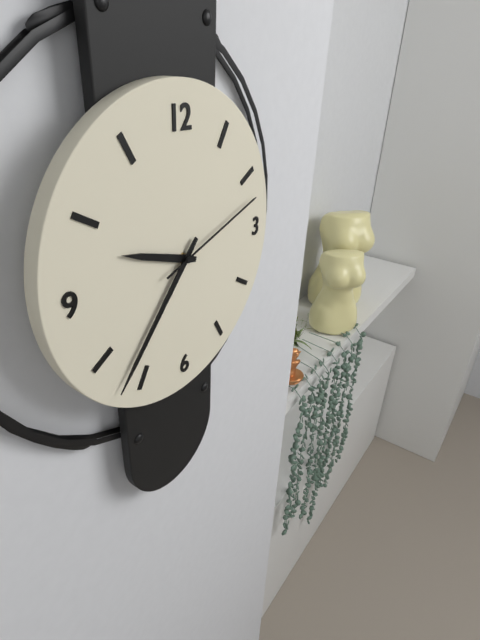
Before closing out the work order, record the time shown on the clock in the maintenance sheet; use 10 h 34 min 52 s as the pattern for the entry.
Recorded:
9 h 37 min 12 s
